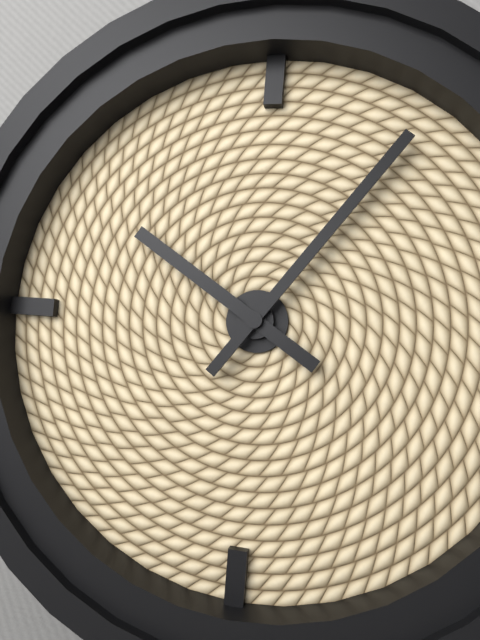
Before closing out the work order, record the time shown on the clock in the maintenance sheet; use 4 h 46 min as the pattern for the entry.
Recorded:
10 h 06 min
